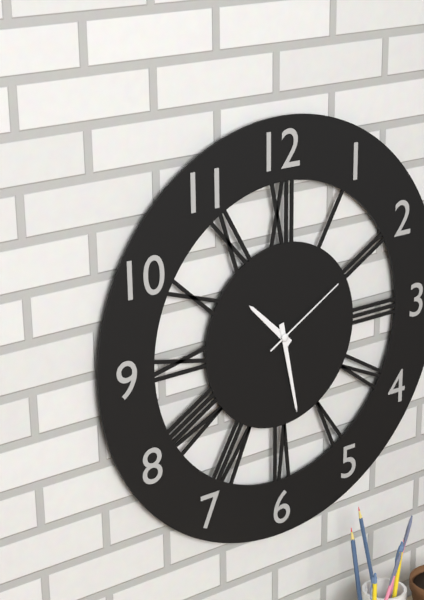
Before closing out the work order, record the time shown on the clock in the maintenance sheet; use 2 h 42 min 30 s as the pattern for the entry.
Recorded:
10 h 28 min 10 s
